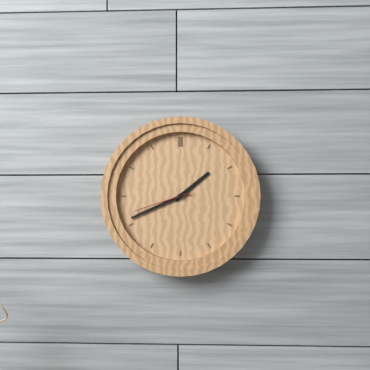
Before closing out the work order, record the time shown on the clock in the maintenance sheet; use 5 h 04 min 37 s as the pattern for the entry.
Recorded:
1 h 41 min 42 s
